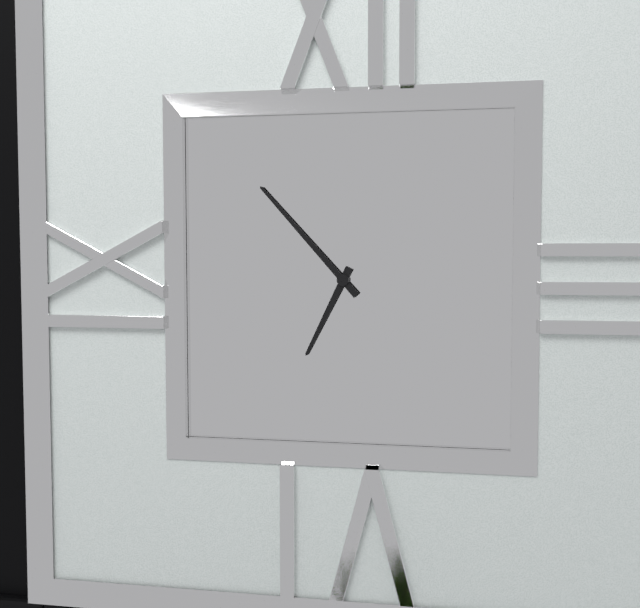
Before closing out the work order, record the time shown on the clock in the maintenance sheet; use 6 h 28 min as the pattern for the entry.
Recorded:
6 h 53 min
